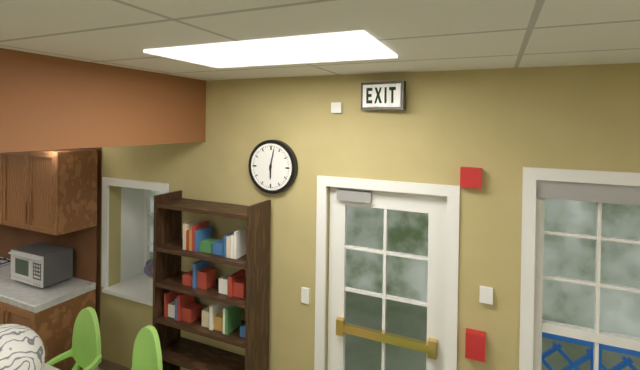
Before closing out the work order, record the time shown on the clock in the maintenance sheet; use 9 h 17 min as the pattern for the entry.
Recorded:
6 h 02 min
